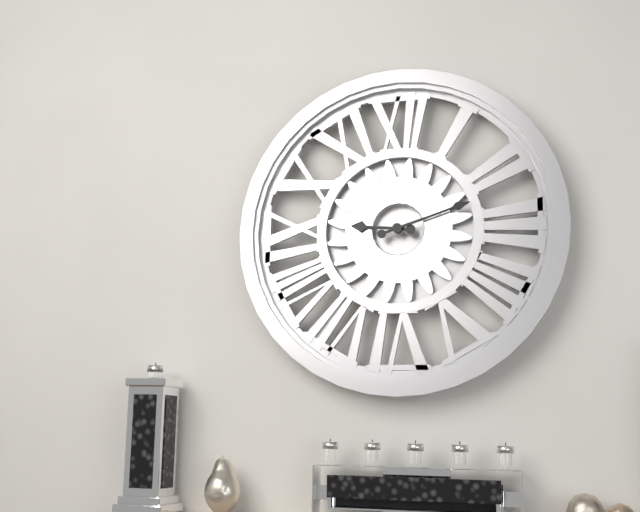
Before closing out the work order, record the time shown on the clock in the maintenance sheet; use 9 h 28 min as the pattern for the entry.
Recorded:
9 h 12 min
